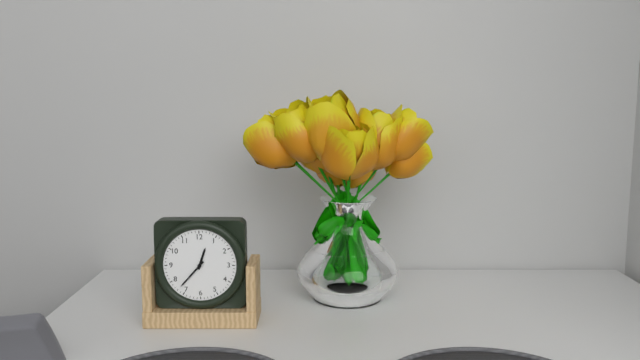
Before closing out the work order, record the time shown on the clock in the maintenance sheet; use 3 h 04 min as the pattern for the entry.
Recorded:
12 h 37 min
